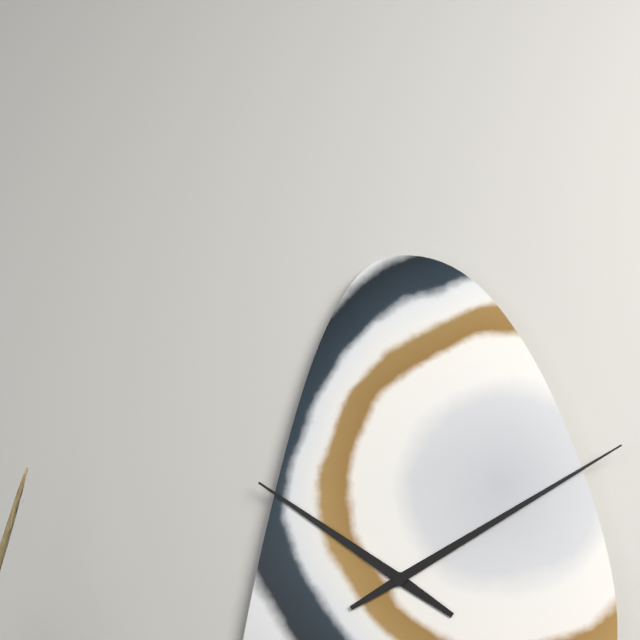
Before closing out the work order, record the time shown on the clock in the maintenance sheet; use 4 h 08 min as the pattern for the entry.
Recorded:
10 h 10 min
